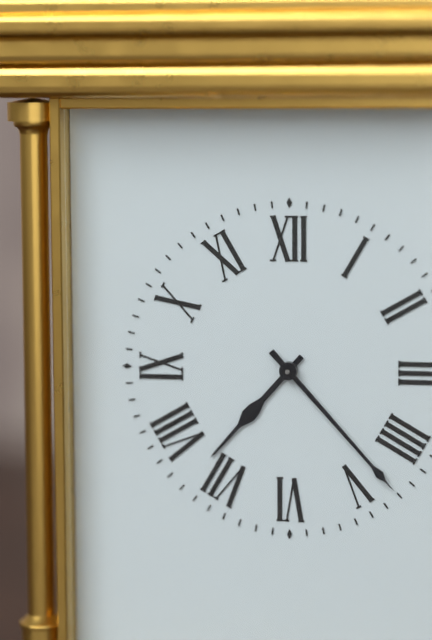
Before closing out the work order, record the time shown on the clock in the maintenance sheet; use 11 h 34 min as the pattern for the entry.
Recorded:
7 h 23 min
